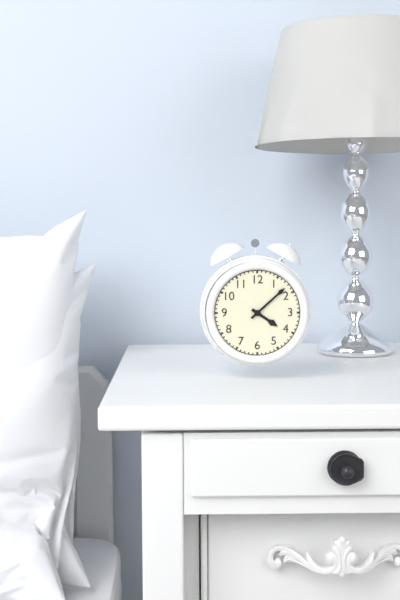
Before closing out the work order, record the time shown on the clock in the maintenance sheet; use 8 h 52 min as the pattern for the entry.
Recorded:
4 h 08 min
